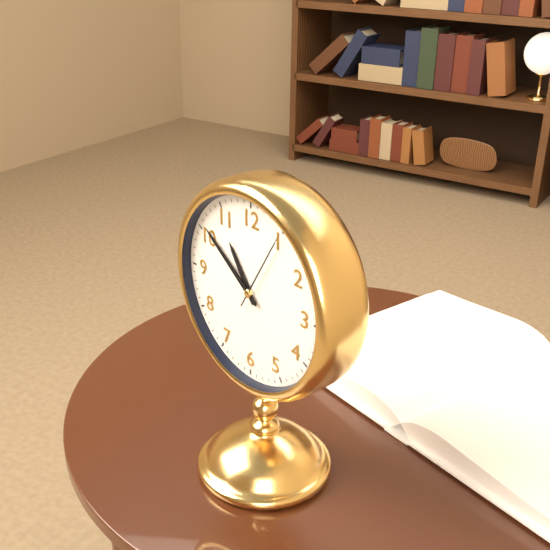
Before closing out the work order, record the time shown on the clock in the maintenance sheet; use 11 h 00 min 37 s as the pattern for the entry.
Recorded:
10 h 51 min 05 s
